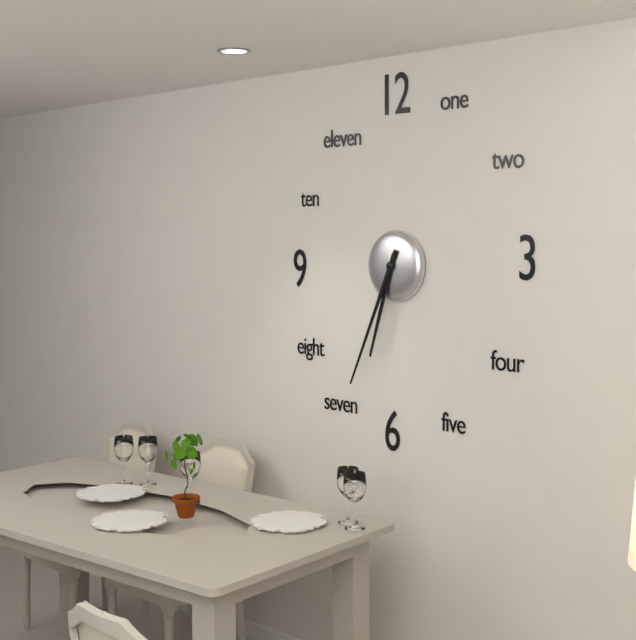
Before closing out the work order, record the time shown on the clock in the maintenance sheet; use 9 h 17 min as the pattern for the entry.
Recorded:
6 h 34 min
